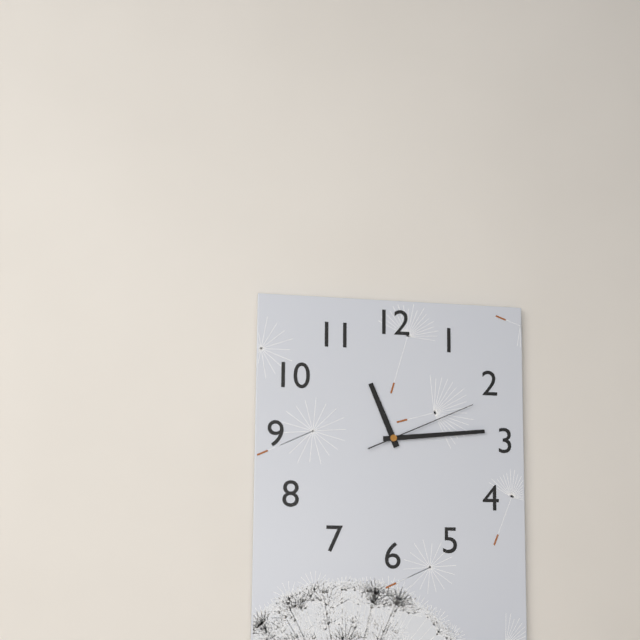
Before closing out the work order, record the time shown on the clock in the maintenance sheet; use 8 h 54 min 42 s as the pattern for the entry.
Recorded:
11 h 14 min 11 s
